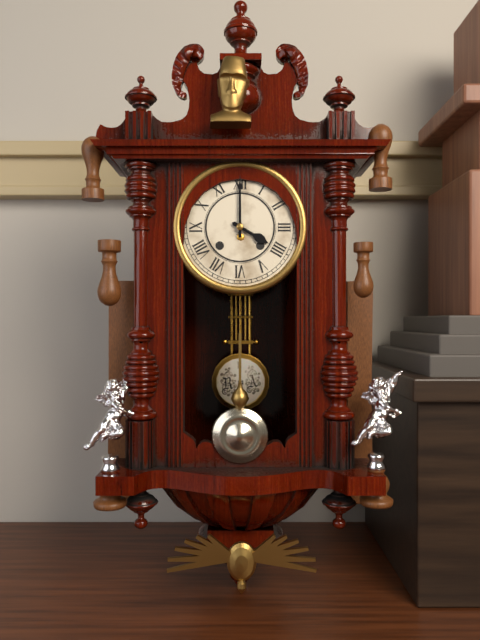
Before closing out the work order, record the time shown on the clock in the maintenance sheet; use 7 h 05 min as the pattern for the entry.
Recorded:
4 h 00 min
